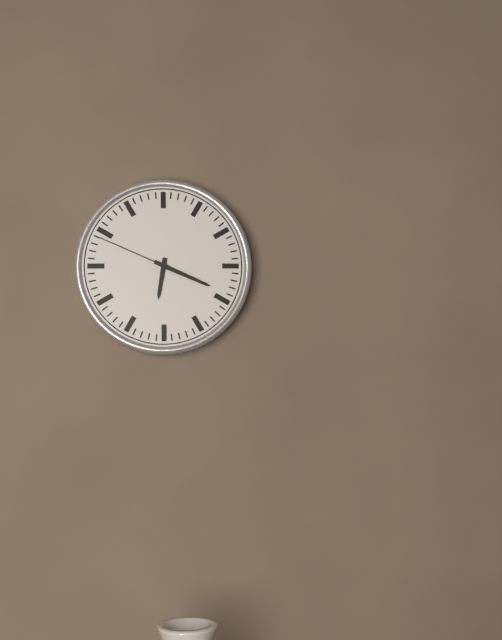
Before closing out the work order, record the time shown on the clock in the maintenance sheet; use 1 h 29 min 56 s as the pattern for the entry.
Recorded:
6 h 19 min 49 s
